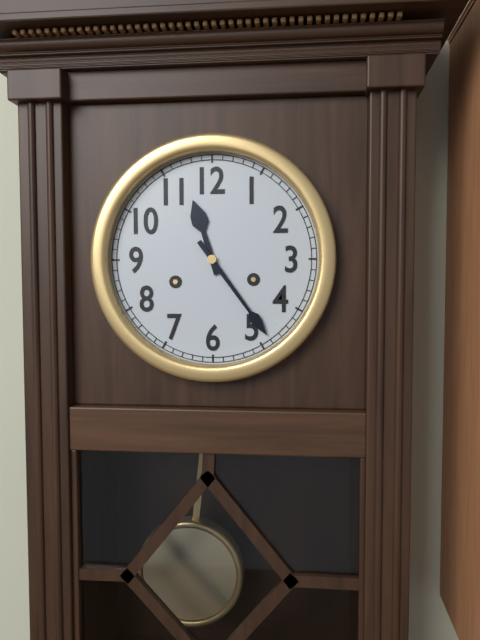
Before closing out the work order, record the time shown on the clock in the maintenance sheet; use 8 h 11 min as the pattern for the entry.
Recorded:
11 h 24 min
